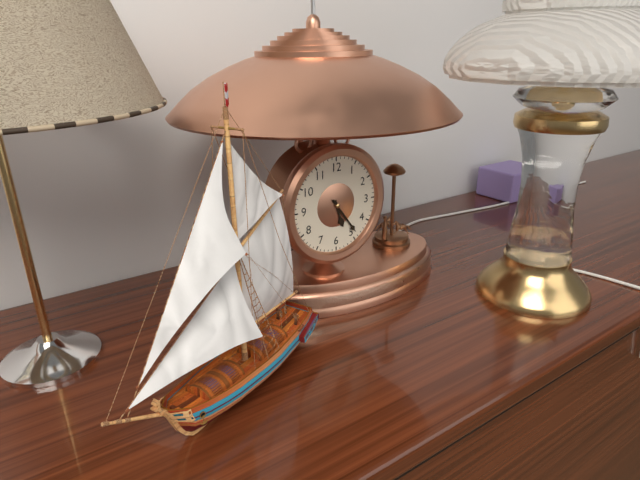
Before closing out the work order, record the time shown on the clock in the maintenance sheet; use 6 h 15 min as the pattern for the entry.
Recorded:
5 h 24 min
